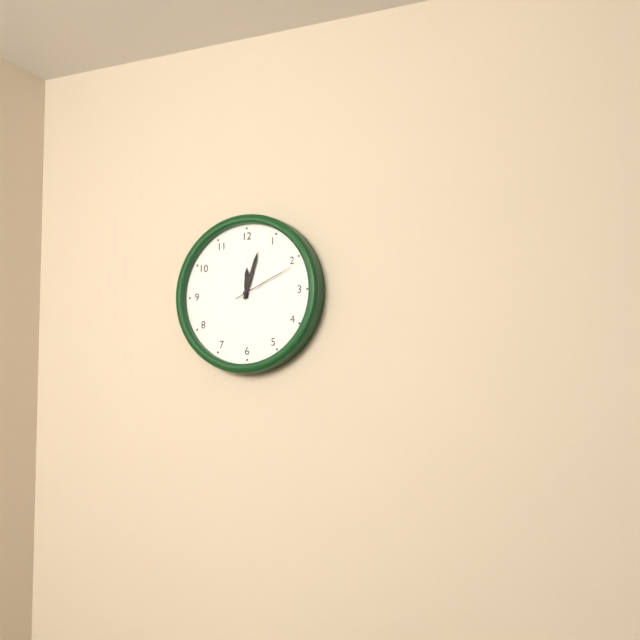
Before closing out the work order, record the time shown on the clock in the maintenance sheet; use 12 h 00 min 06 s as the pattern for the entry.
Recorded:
12 h 03 min 11 s
